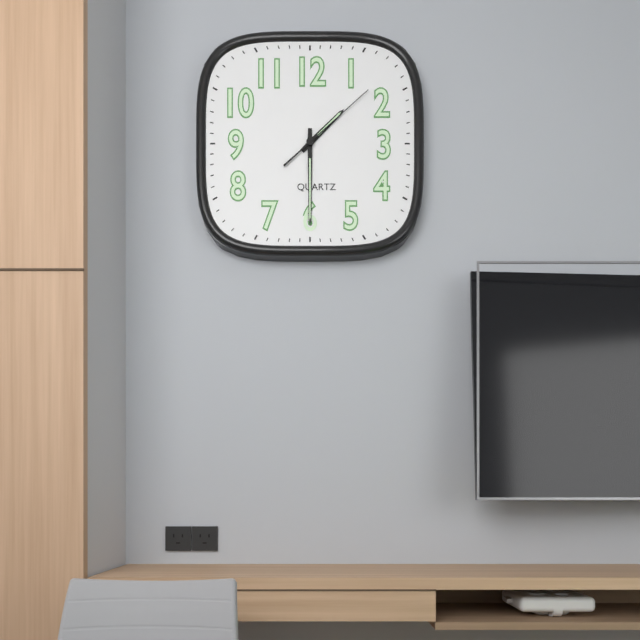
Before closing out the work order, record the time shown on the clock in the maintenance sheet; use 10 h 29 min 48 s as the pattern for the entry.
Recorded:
1 h 30 min 08 s
